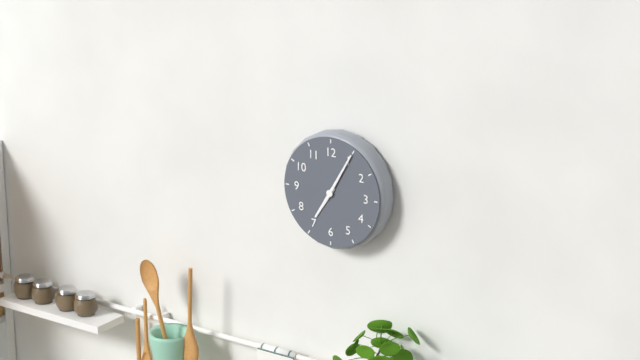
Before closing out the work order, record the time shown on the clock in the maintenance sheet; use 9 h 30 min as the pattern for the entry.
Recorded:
7 h 05 min
